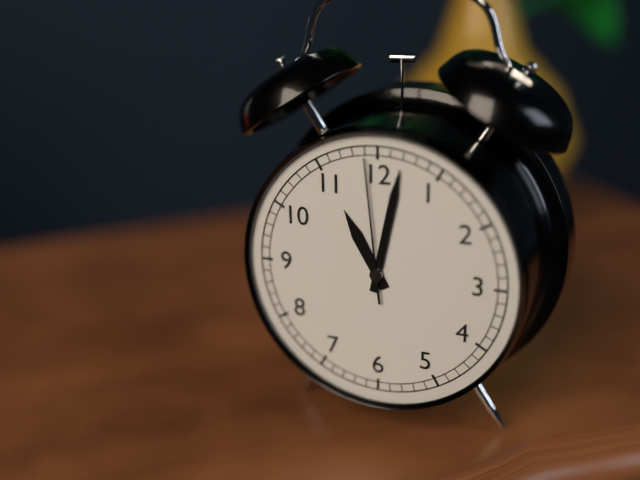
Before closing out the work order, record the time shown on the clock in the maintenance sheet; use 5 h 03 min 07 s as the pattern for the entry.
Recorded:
11 h 02 min 59 s
